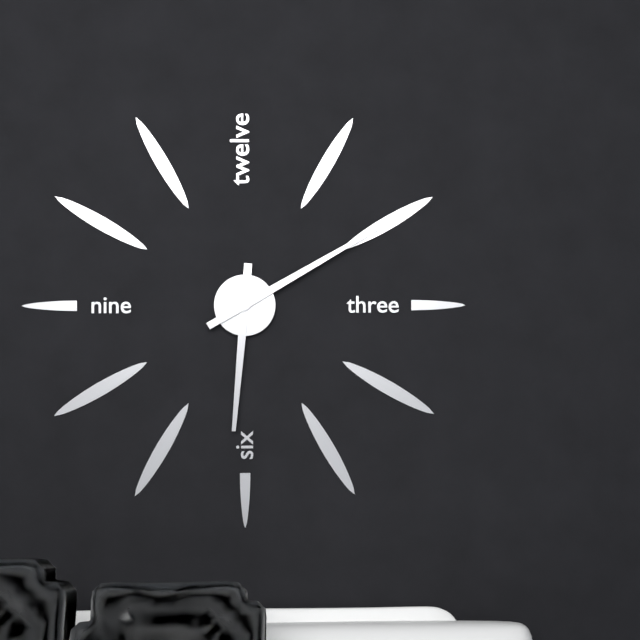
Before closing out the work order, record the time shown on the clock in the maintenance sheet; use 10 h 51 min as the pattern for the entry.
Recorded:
6 h 10 min
